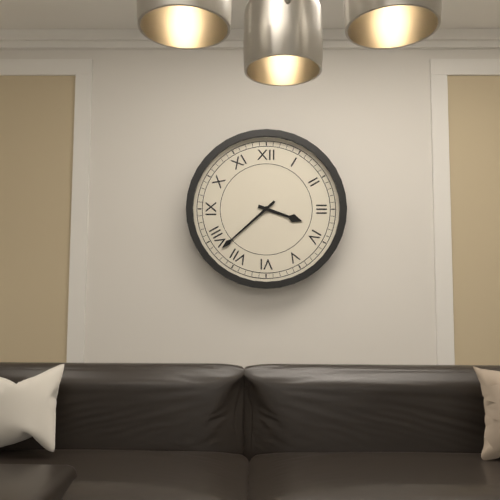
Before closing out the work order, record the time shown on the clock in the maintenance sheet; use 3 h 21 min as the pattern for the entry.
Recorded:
3 h 38 min
